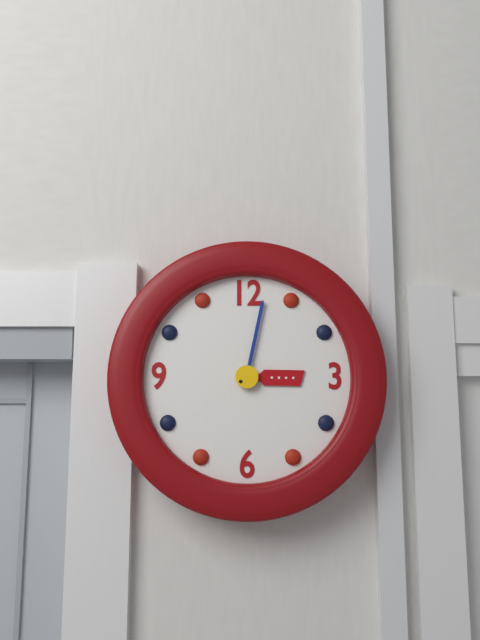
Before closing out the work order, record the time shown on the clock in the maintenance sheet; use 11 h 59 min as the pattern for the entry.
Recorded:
3 h 02 min
